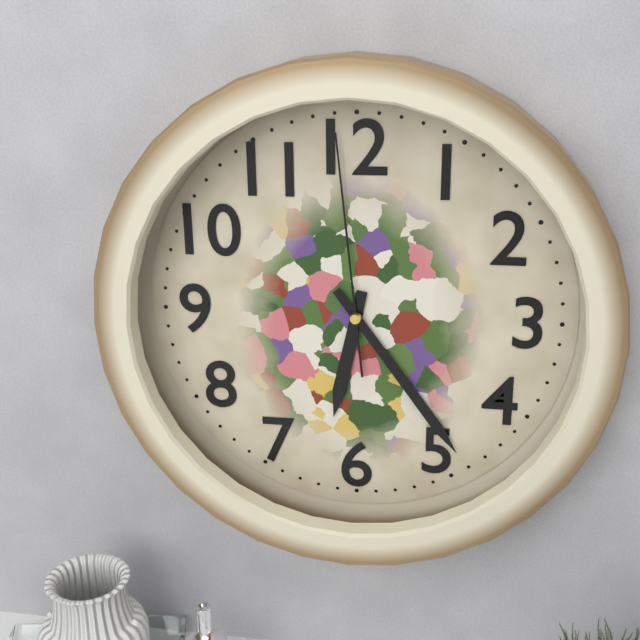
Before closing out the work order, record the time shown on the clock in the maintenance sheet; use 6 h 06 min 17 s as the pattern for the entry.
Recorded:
6 h 24 min 59 s
